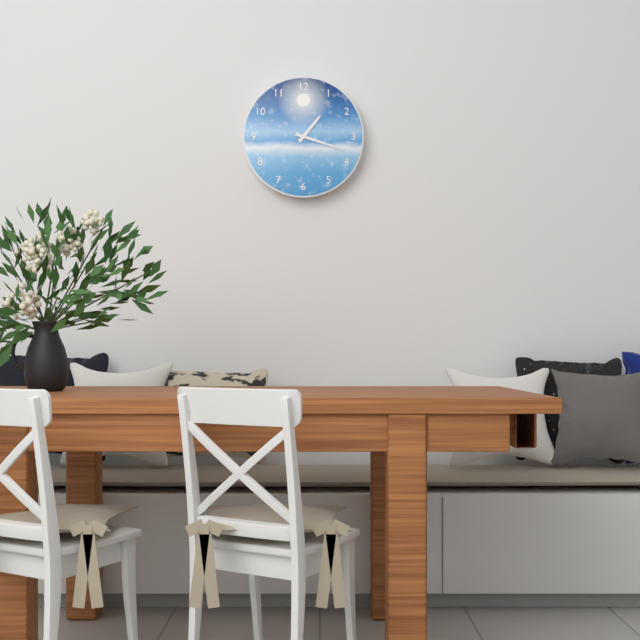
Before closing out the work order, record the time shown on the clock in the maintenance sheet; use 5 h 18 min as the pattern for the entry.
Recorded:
1 h 18 min
